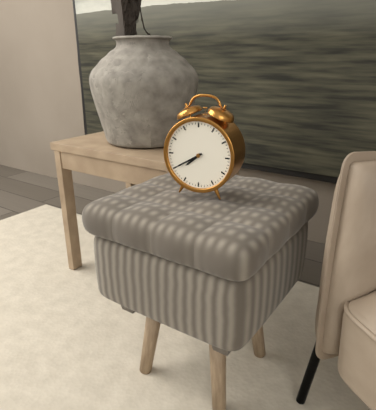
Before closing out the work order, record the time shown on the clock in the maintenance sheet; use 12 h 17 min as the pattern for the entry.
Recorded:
7 h 40 min
